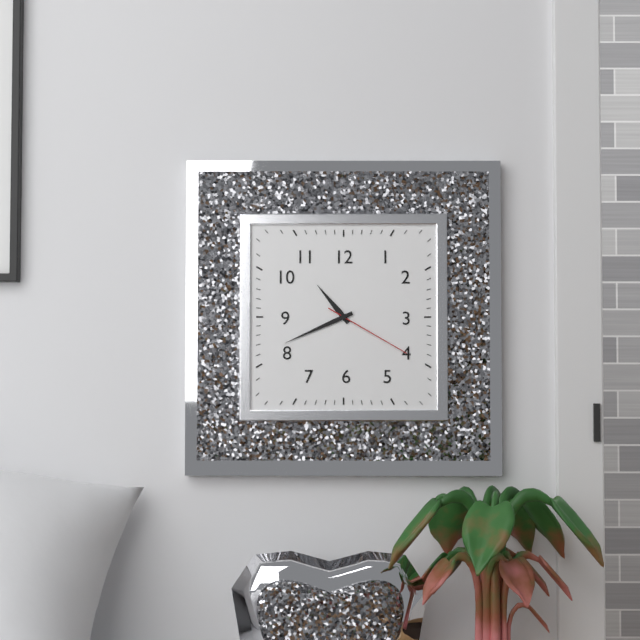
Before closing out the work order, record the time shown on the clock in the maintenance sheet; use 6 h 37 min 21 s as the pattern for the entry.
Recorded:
10 h 41 min 20 s
